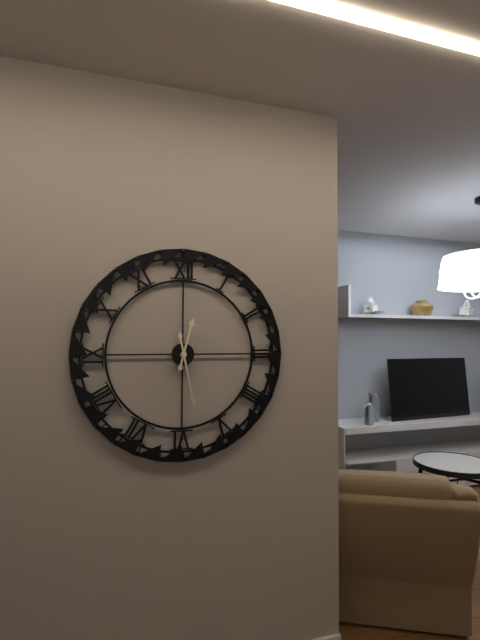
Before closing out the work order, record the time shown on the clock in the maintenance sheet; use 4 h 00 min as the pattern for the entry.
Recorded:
12 h 28 min
